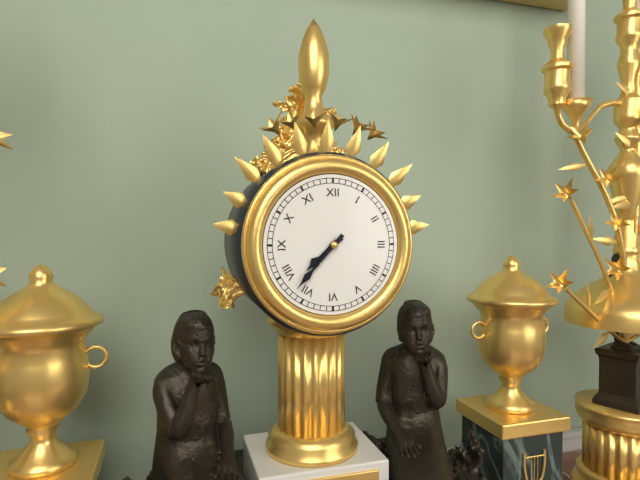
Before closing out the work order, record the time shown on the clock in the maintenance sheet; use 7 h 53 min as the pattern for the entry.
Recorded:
7 h 37 min
